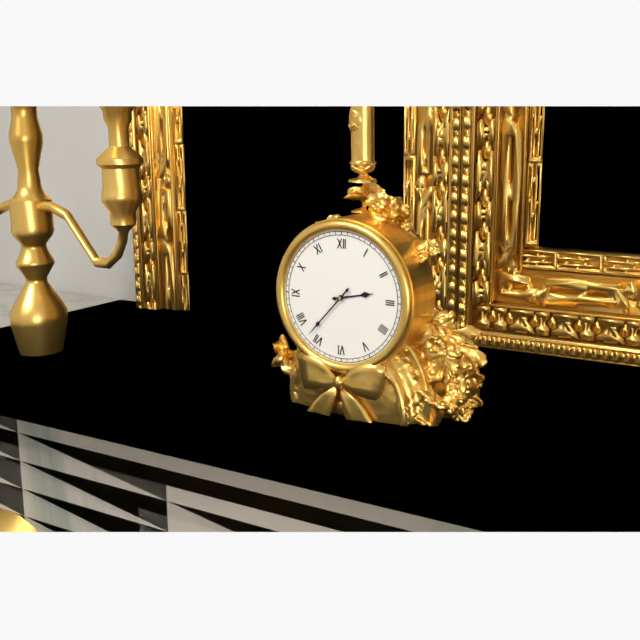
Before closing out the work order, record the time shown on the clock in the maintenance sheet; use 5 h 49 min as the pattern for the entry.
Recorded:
2 h 37 min
